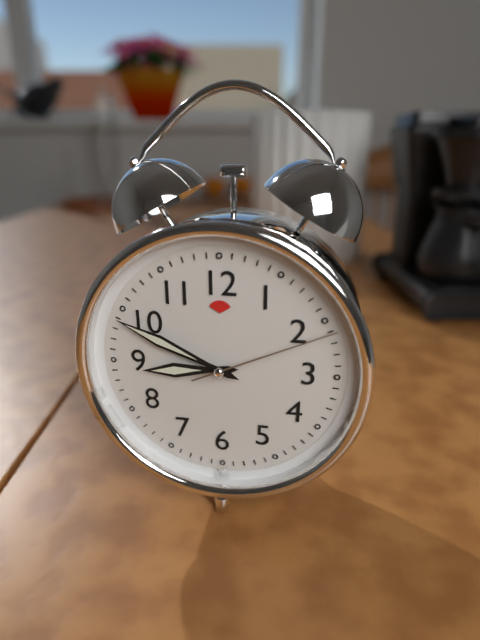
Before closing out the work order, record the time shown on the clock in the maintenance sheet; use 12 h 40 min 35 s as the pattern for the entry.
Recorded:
8 h 49 min 11 s
